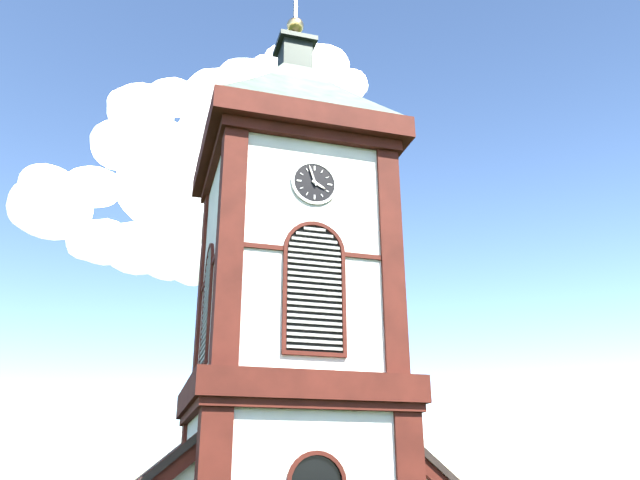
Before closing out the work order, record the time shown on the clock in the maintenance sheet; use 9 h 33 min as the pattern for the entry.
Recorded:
3 h 57 min
